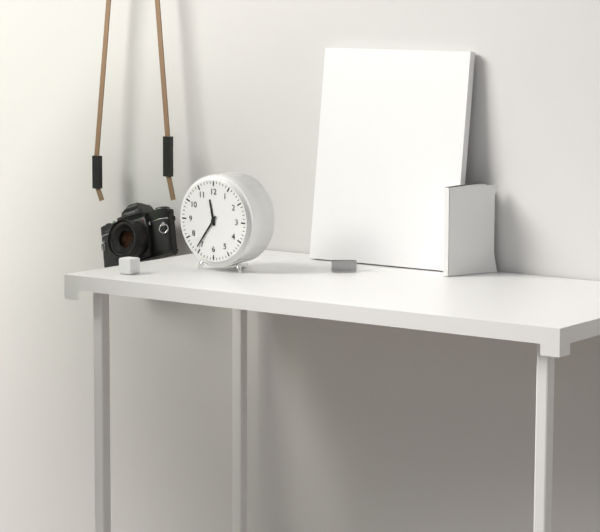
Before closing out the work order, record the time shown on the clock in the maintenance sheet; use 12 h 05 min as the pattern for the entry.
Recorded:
11 h 36 min
